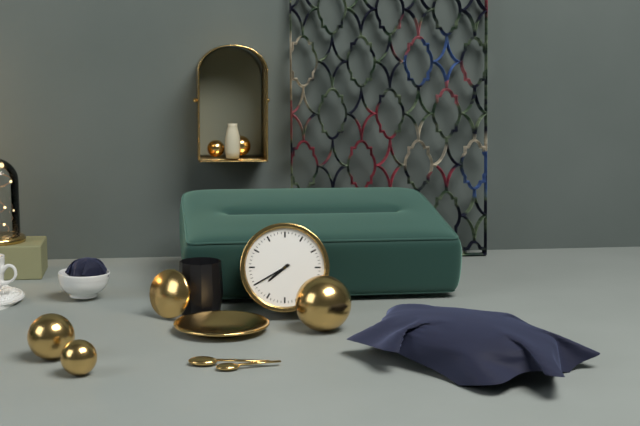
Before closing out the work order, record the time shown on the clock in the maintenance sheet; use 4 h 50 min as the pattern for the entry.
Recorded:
7 h 40 min
